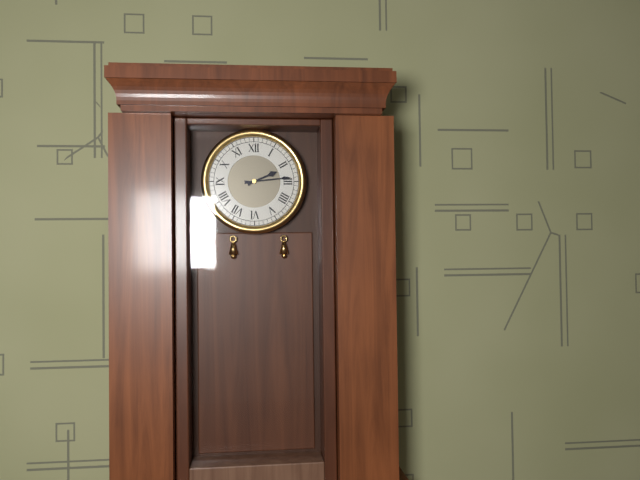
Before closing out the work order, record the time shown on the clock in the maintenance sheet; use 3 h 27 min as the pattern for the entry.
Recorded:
2 h 14 min
